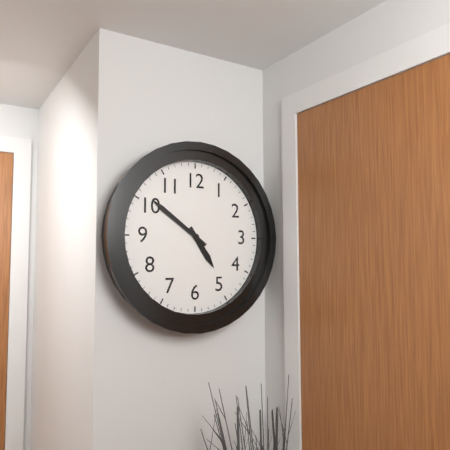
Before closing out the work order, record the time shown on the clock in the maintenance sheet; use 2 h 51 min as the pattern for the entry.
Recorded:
4 h 51 min
